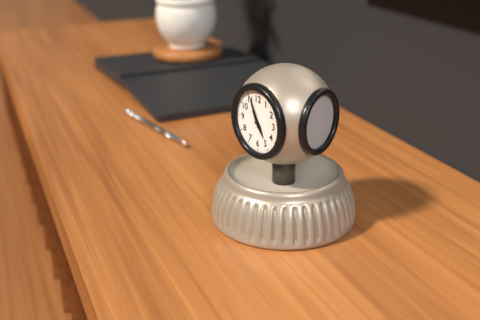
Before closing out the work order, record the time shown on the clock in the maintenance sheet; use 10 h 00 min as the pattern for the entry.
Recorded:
4 h 56 min
